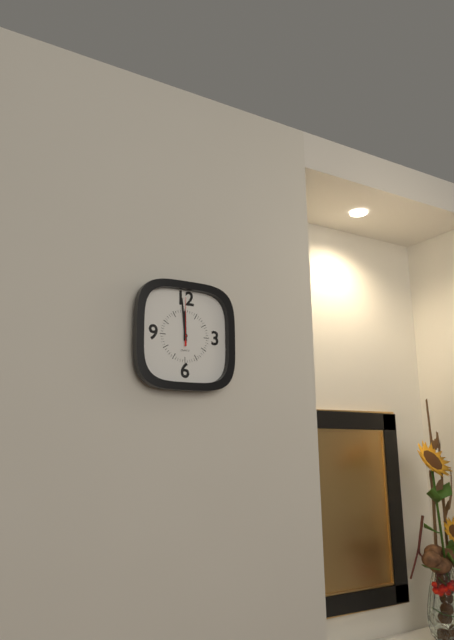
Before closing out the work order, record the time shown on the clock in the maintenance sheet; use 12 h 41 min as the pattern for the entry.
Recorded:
11 h 59 min
